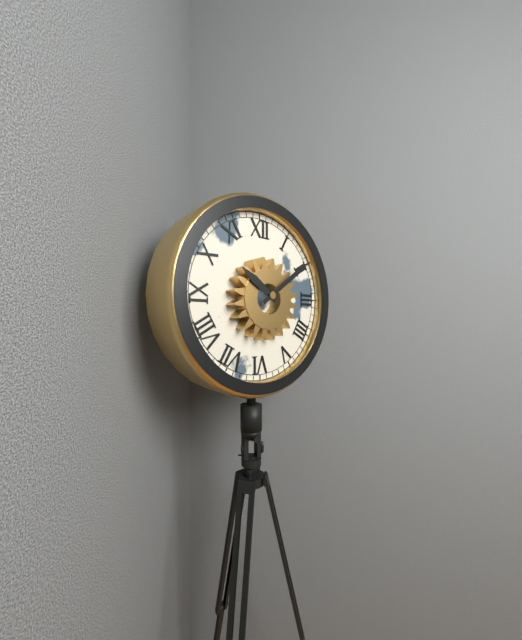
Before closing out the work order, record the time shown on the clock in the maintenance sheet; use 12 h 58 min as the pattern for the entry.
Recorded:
10 h 09 min
